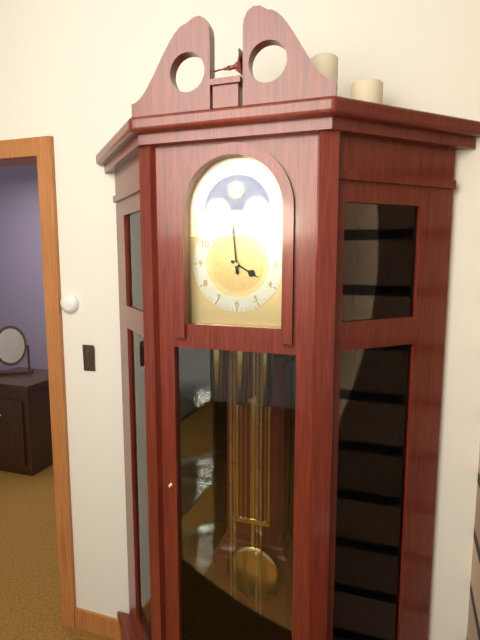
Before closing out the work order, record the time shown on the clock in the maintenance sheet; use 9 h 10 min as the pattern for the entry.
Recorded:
3 h 59 min
